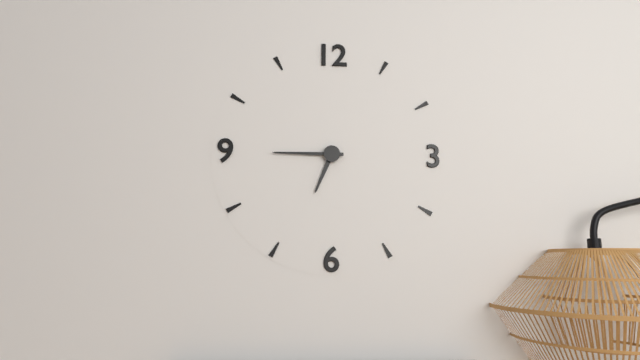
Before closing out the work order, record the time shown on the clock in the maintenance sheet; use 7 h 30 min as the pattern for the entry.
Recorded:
6 h 45 min
